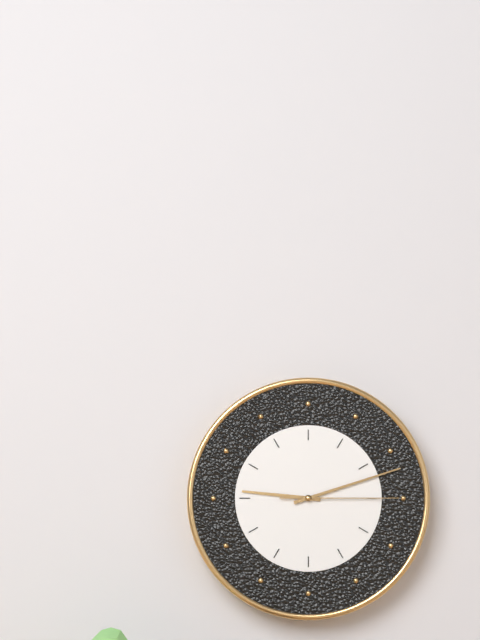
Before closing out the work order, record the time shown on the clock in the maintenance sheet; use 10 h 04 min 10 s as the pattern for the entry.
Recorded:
9 h 12 min 15 s
